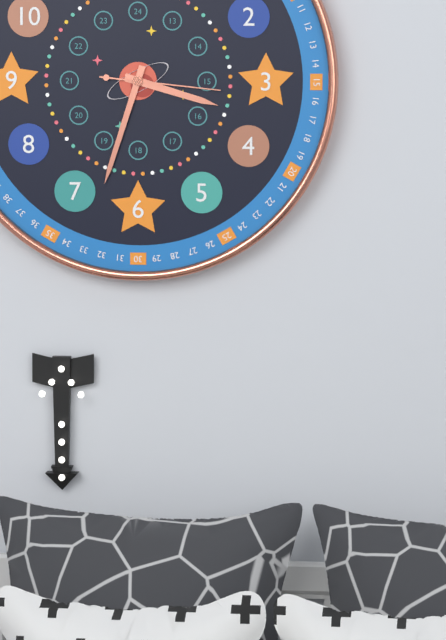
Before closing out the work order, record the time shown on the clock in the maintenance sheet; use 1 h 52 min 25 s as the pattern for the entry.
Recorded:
3 h 33 min 16 s
